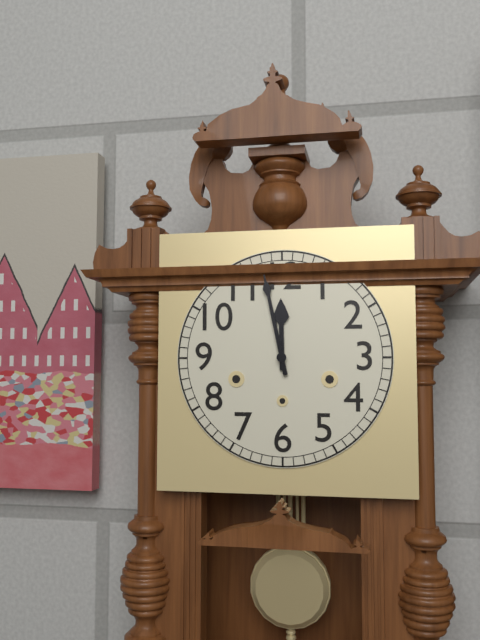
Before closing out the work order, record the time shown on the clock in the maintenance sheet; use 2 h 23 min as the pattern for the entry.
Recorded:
11 h 58 min
